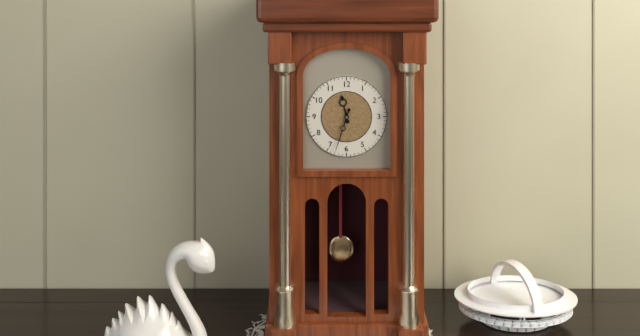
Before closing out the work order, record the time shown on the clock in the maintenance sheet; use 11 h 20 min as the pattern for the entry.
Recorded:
11 h 33 min
